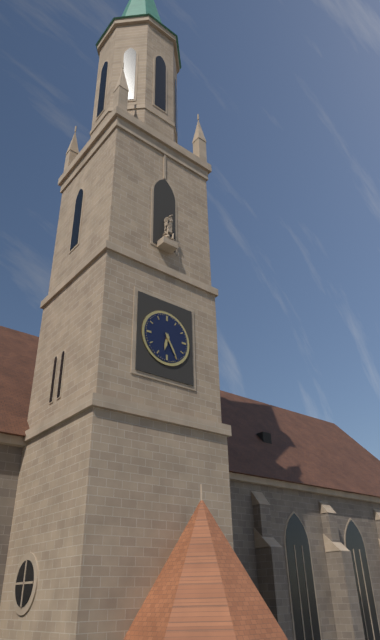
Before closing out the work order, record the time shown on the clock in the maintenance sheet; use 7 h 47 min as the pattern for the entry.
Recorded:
6 h 25 min
